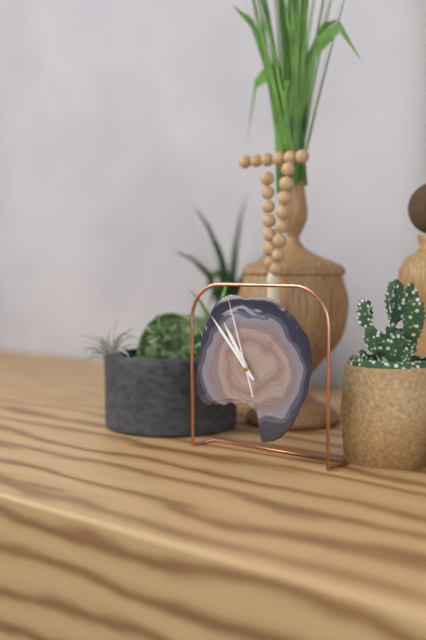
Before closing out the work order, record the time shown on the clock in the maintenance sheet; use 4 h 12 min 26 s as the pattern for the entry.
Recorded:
10 h 53 min 57 s
